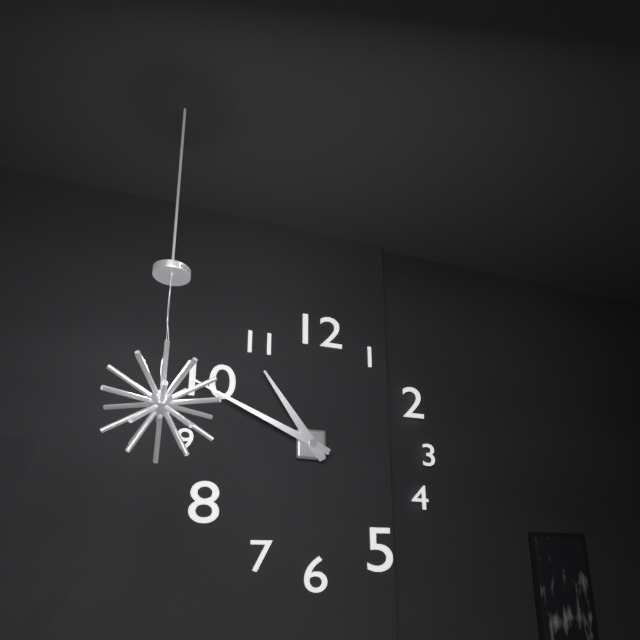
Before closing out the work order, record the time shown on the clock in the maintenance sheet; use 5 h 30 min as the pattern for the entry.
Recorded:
10 h 49 min
